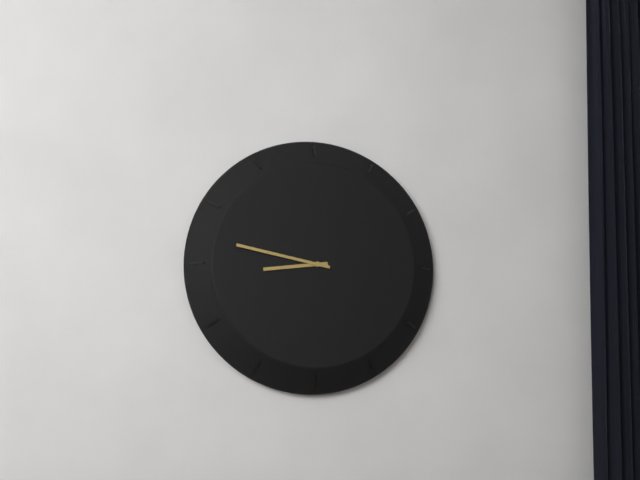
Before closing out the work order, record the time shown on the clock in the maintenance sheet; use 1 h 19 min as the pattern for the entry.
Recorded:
8 h 47 min
